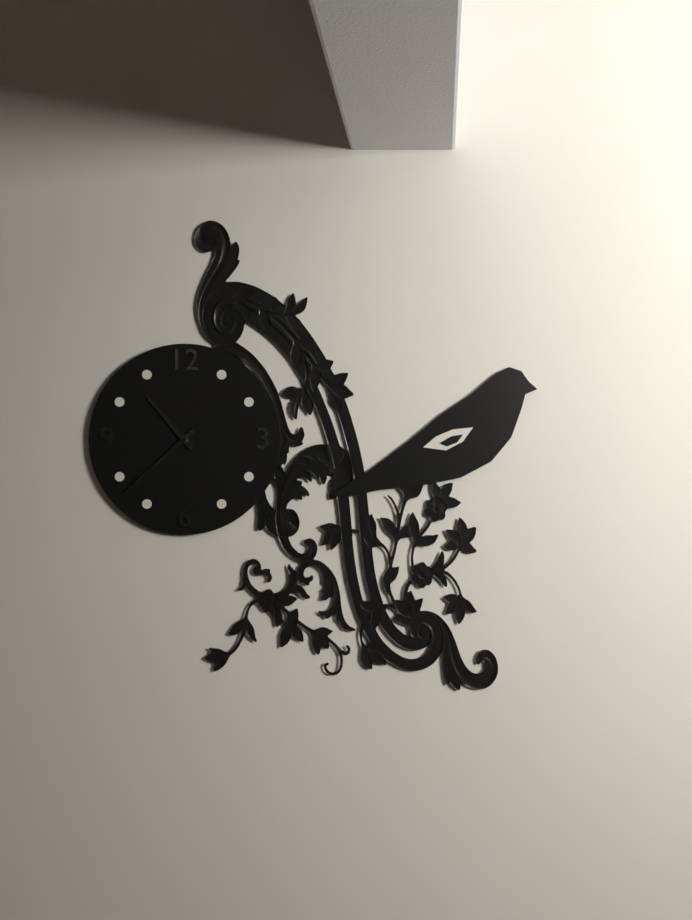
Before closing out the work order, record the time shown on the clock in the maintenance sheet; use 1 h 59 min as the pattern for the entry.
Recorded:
10 h 38 min
